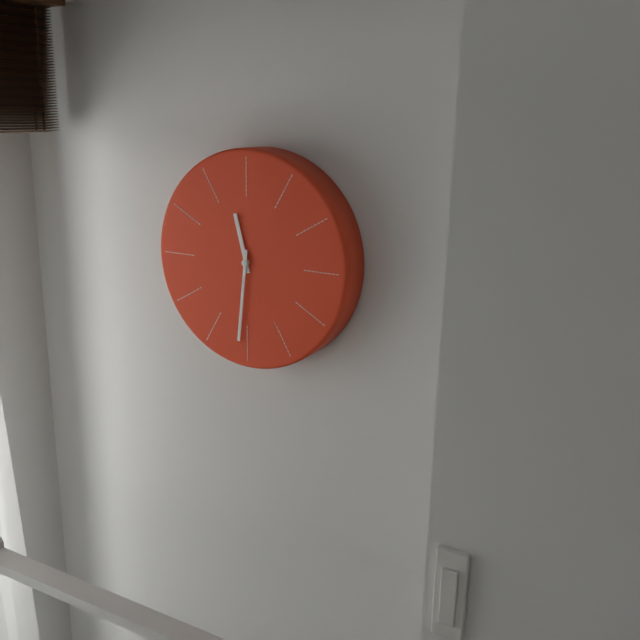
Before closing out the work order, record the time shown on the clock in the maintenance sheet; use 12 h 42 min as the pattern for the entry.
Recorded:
11 h 31 min
